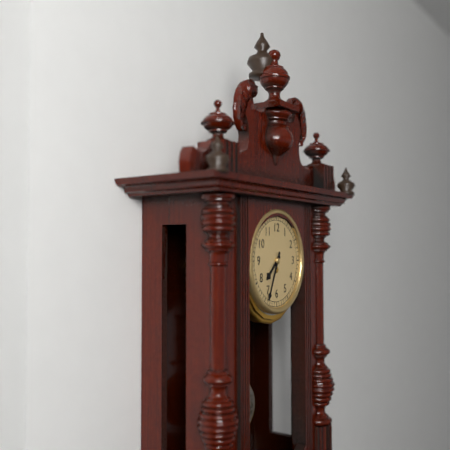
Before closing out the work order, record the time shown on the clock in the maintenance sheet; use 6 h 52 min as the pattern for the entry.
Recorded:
7 h 34 min
